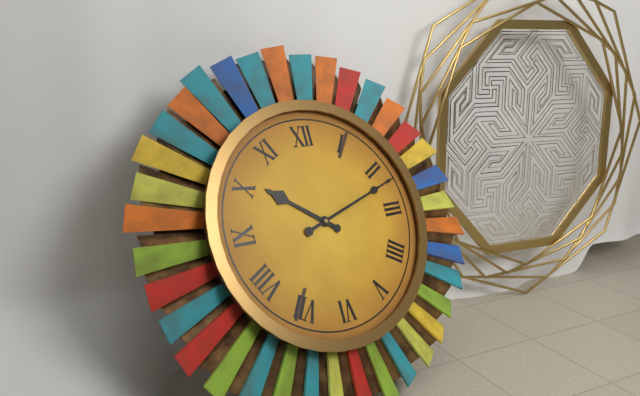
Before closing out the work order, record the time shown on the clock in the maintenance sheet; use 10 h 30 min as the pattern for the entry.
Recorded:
10 h 12 min
